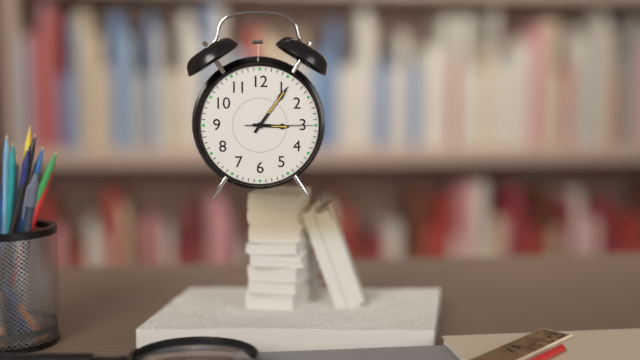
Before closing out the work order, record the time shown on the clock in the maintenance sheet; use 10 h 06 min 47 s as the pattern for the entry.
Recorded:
3 h 06 min 15 s
